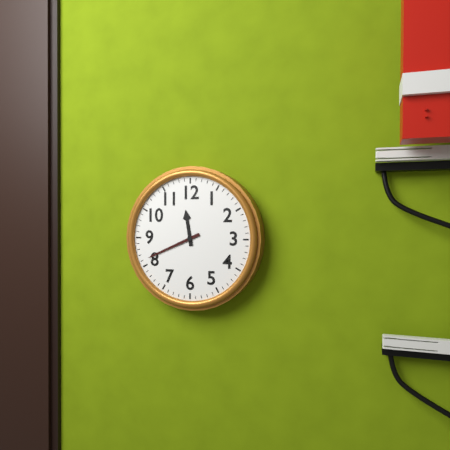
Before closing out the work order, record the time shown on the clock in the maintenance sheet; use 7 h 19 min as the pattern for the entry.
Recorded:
11 h 41 min
